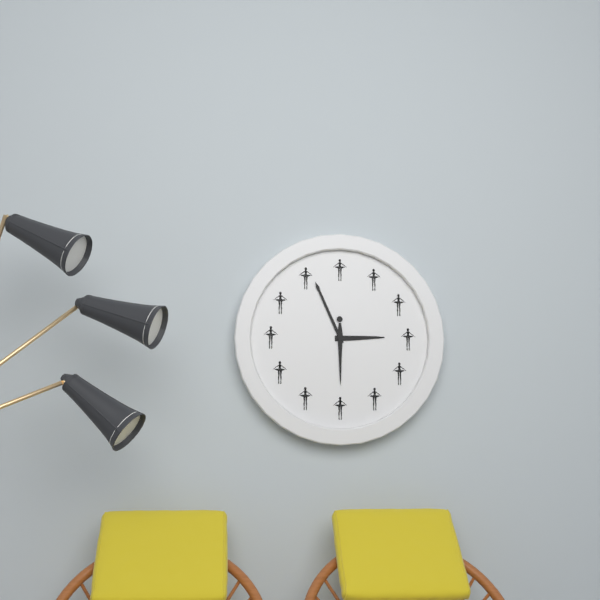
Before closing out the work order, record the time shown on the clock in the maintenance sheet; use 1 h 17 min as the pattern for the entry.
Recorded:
2 h 56 min
